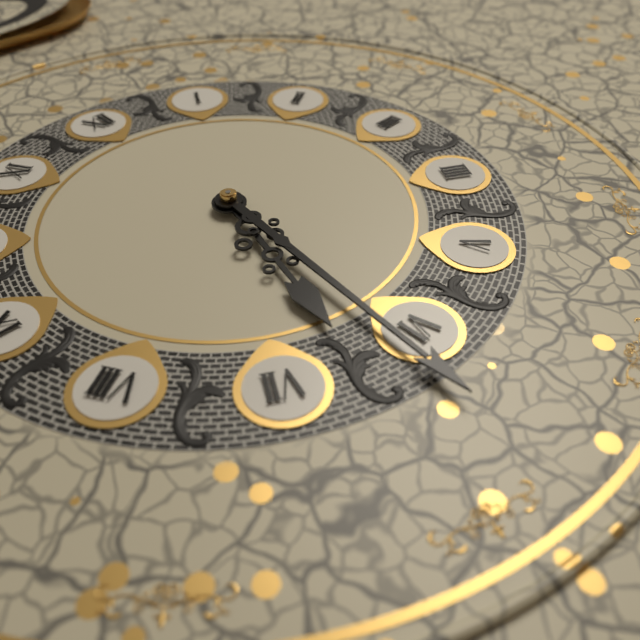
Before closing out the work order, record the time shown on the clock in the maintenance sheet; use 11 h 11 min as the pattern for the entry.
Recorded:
6 h 31 min
